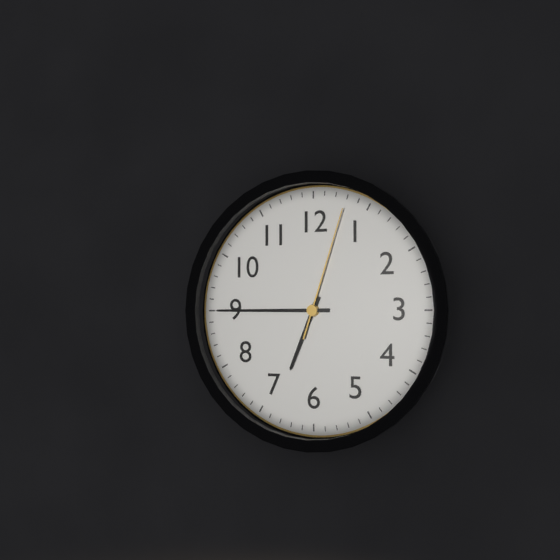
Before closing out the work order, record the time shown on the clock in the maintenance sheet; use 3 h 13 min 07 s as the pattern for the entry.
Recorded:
6 h 45 min 03 s
